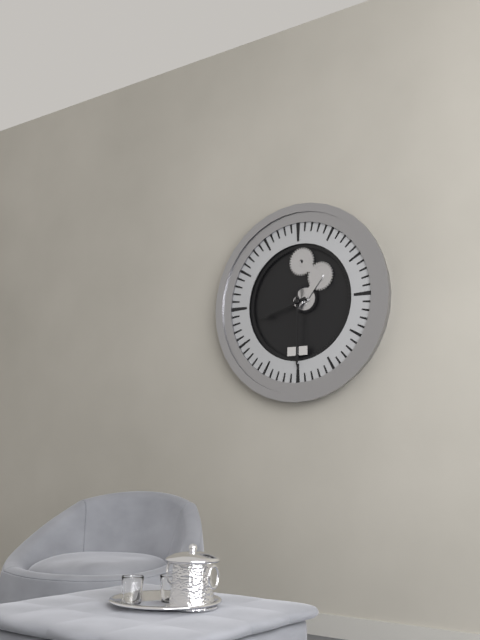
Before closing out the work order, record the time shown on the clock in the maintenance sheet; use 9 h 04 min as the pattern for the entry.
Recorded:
8 h 30 min
